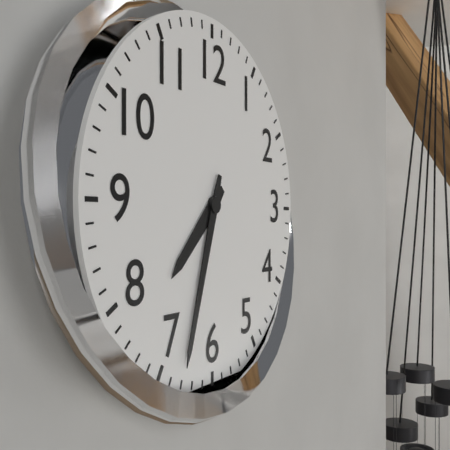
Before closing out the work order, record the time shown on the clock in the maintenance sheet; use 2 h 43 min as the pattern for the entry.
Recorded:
7 h 33 min
